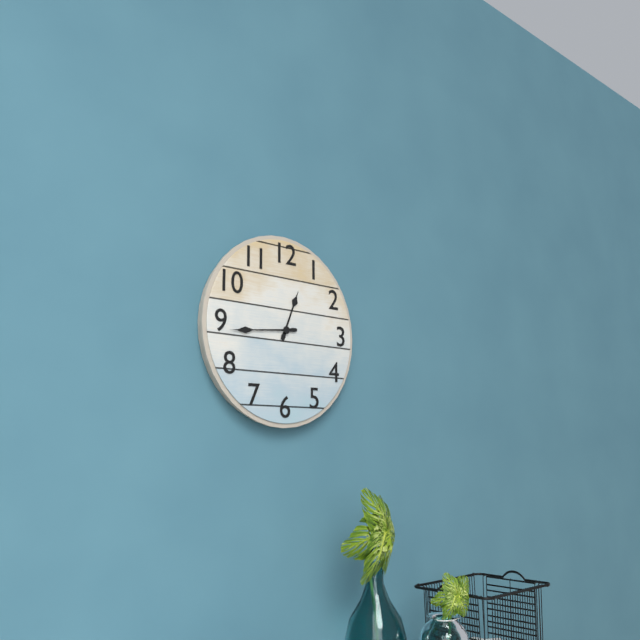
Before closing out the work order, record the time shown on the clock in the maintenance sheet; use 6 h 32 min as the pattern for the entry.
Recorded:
12 h 44 min
